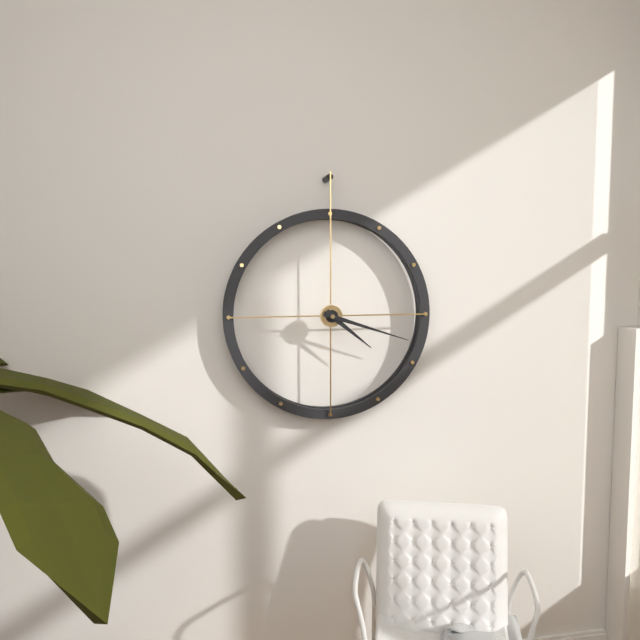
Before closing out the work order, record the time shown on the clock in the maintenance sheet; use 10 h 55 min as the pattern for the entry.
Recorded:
4 h 18 min
